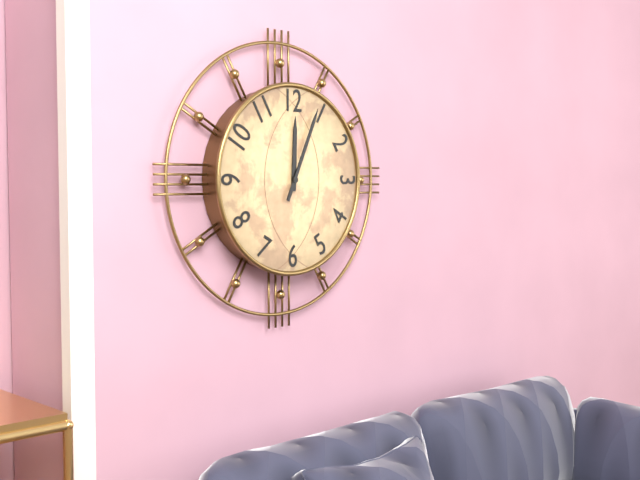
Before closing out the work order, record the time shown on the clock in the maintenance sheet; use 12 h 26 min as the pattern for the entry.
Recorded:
12 h 04 min
